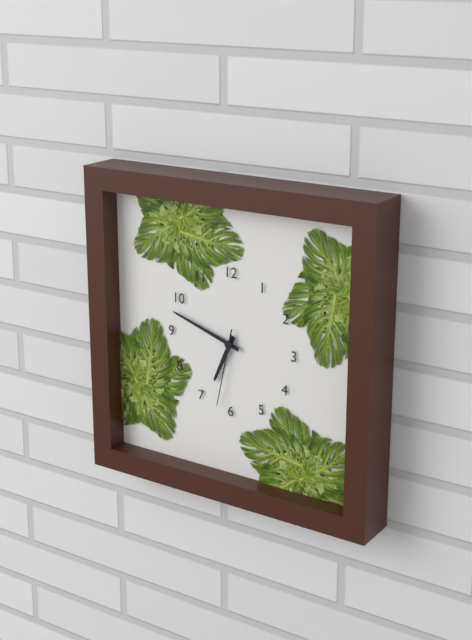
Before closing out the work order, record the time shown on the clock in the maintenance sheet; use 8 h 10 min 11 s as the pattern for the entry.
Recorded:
6 h 48 min 32 s
